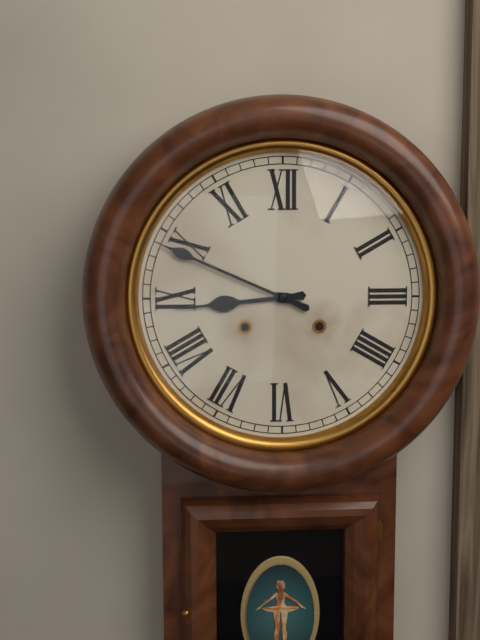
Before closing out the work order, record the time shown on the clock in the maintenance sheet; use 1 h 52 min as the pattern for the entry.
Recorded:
8 h 49 min
